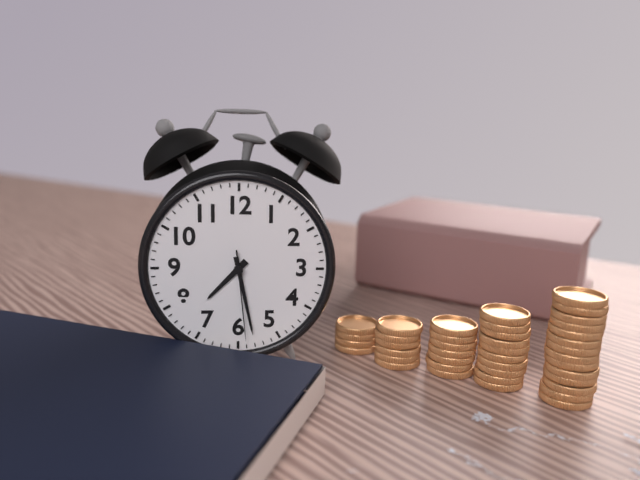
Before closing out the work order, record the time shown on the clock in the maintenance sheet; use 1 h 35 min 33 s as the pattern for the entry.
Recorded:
7 h 28 min 29 s
